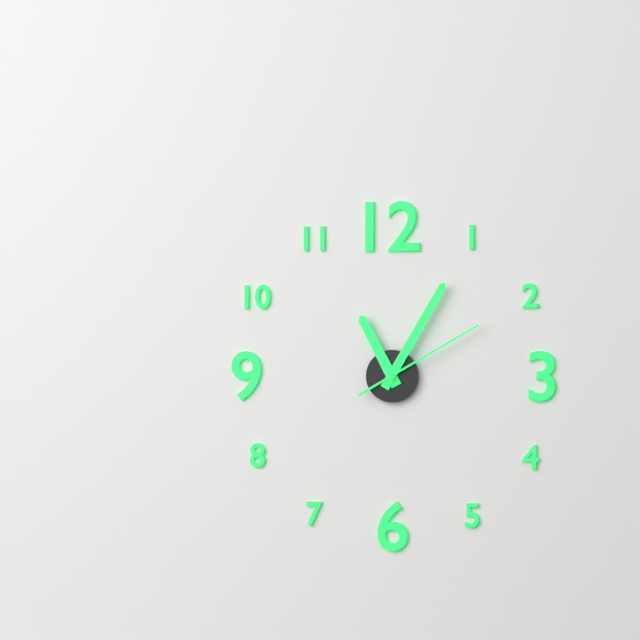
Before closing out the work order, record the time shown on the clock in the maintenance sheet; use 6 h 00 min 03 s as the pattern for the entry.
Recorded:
11 h 05 min 10 s
